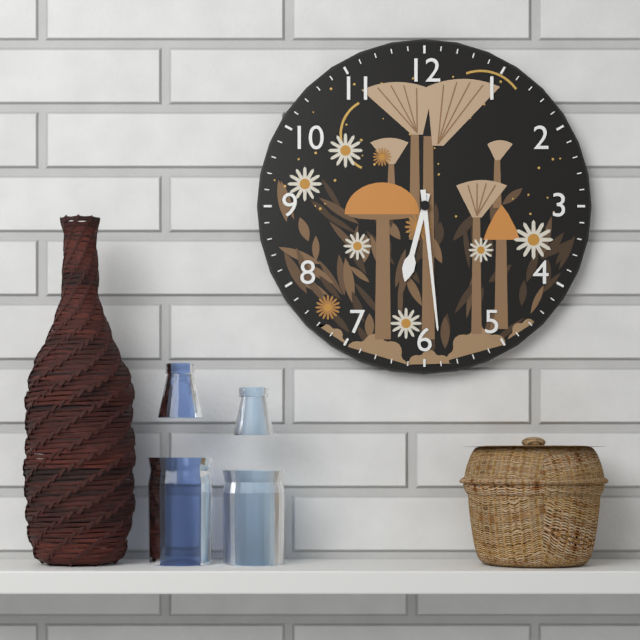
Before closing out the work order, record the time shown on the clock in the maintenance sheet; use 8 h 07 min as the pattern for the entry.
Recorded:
6 h 29 min
